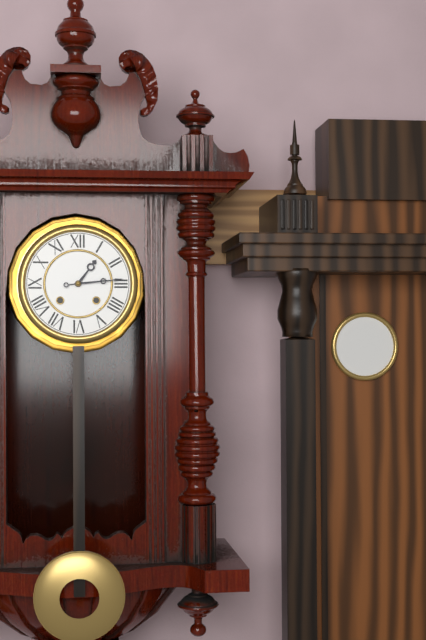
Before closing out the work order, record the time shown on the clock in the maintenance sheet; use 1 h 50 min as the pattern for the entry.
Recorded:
1 h 14 min
